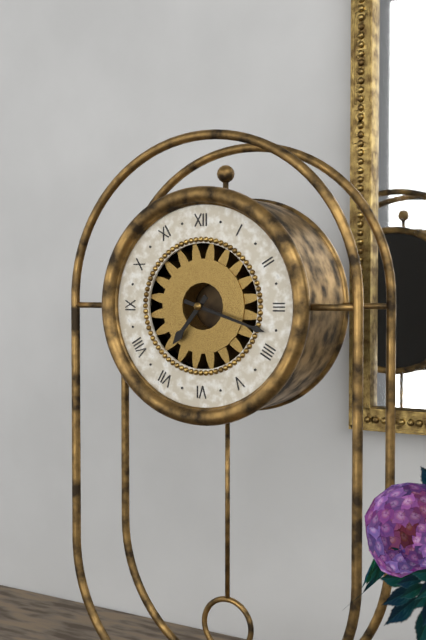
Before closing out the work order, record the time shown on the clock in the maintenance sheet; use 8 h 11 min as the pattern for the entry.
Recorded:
7 h 18 min
